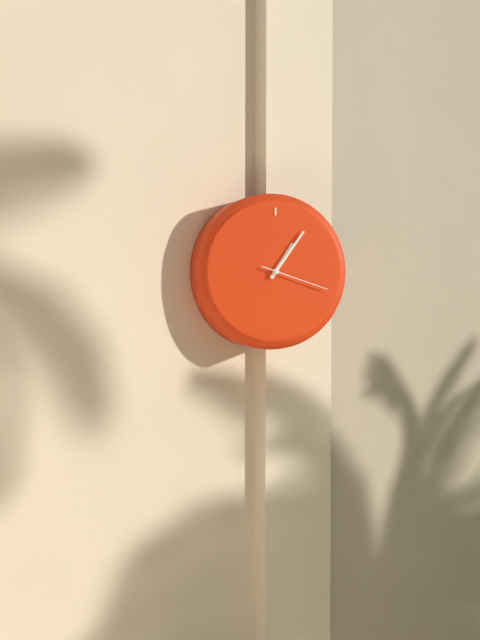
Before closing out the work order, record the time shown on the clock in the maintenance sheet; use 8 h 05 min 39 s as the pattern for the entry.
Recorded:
1 h 06 min 18 s
